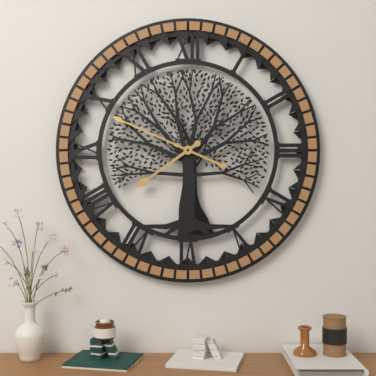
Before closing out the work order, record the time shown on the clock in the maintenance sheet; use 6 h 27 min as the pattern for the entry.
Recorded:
7 h 49 min
